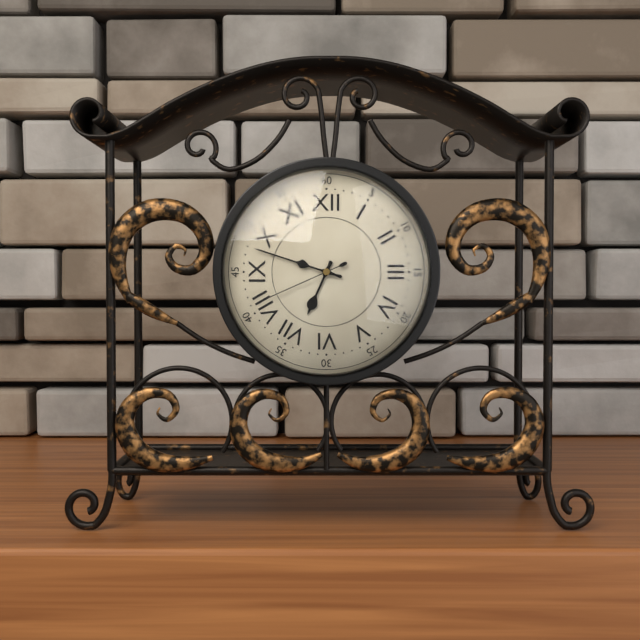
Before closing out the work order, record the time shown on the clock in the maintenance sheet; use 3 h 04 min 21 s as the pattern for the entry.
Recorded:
6 h 48 min 41 s
